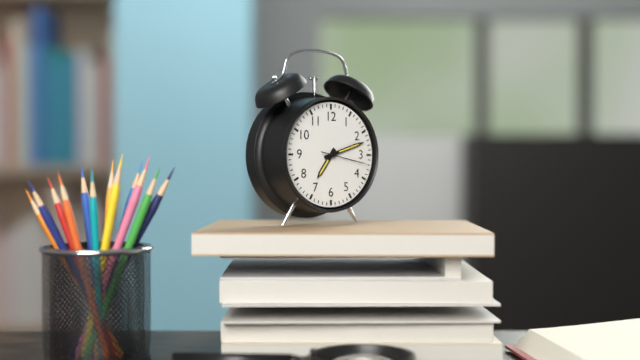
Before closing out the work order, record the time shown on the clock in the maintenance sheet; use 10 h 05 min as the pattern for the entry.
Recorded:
7 h 12 min
